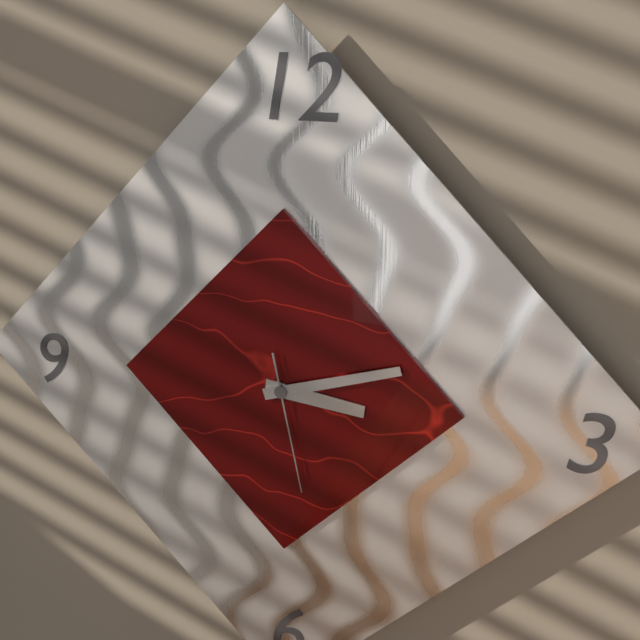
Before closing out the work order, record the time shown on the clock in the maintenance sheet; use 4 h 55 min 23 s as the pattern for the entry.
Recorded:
3 h 12 min 28 s
